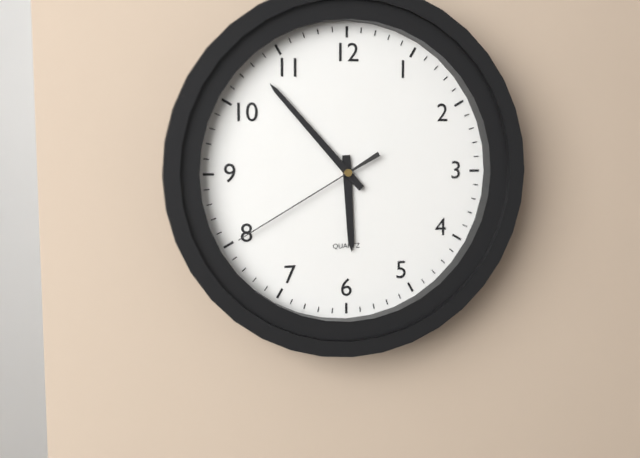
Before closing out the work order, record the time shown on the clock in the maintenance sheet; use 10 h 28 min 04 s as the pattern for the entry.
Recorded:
5 h 53 min 40 s
